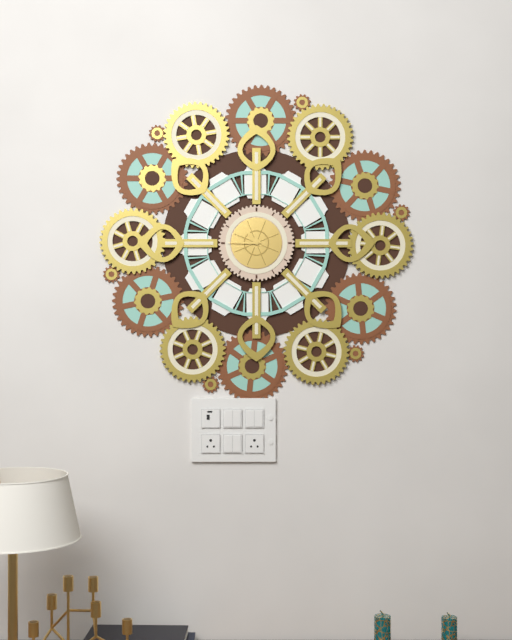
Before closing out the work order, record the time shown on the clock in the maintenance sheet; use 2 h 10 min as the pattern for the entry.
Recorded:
10 h 45 min
